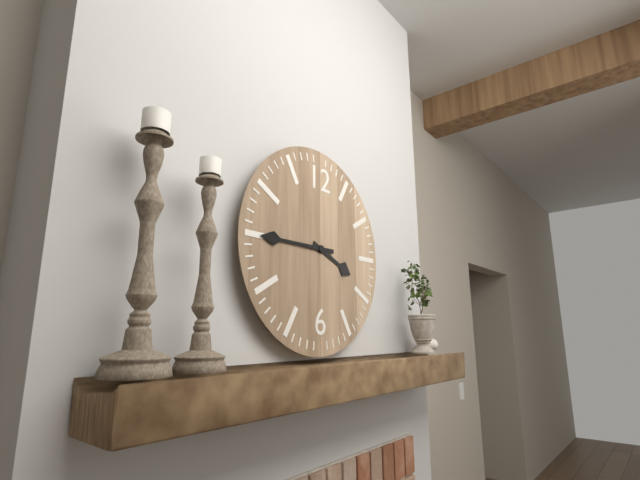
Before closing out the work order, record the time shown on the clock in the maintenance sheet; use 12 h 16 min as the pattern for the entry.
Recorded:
3 h 45 min
